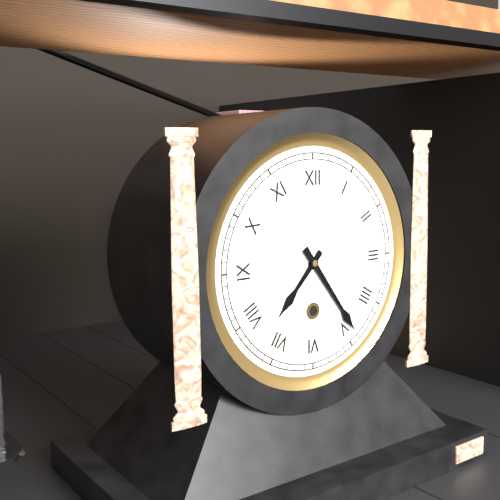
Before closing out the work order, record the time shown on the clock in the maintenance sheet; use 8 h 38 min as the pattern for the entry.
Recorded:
7 h 24 min
